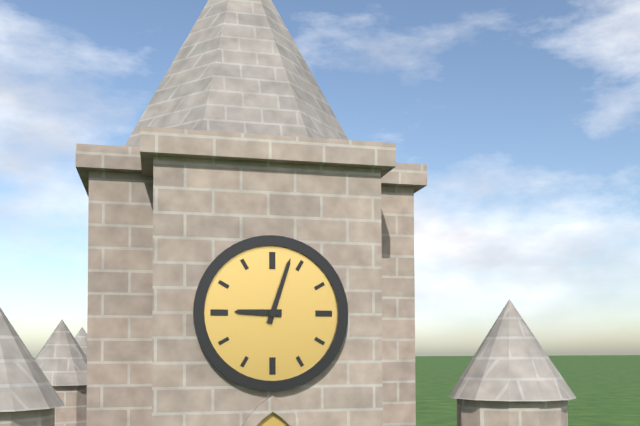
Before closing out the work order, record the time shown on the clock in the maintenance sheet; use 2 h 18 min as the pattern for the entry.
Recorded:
9 h 03 min
